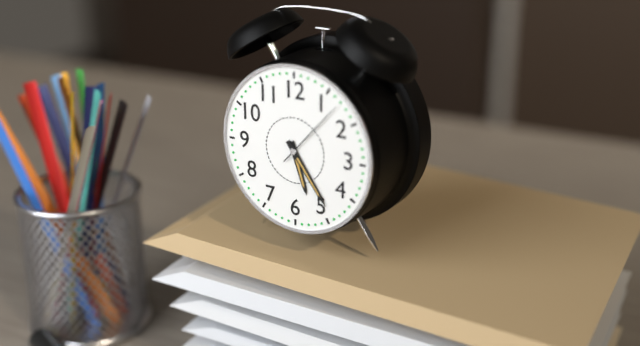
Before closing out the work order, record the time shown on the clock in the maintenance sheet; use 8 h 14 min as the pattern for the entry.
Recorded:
5 h 24 min
